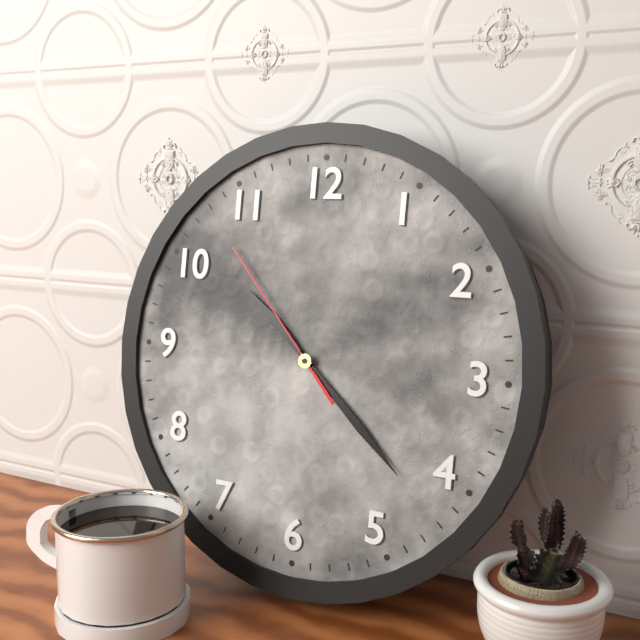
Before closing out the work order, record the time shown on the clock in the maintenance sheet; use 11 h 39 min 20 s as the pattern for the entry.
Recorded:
10 h 22 min 53 s
